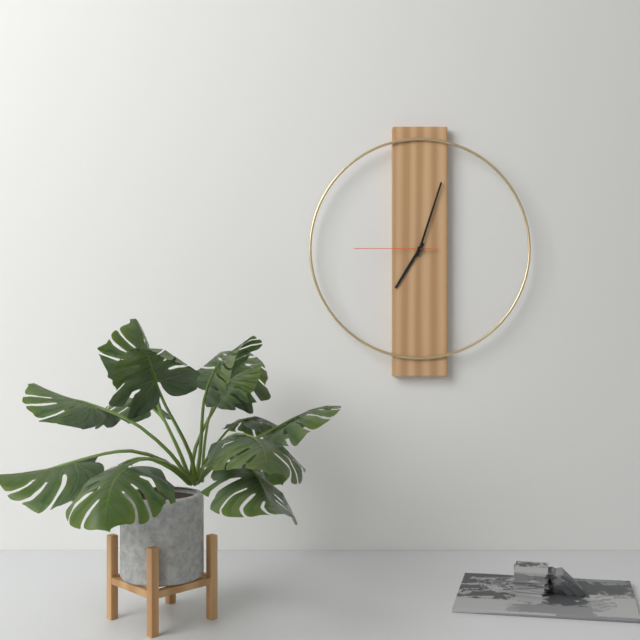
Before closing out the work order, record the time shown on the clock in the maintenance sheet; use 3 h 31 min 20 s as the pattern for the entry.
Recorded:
7 h 03 min 45 s
